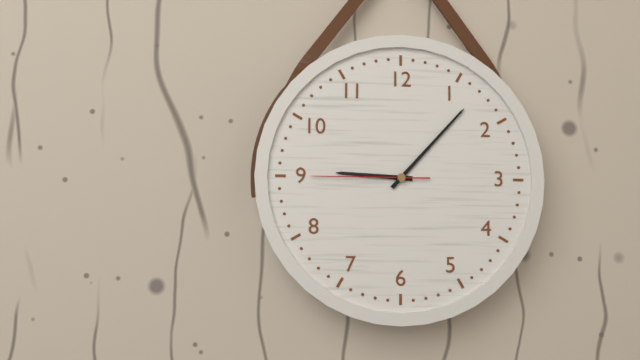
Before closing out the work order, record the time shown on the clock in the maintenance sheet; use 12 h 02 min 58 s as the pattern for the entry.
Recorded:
9 h 07 min 45 s
